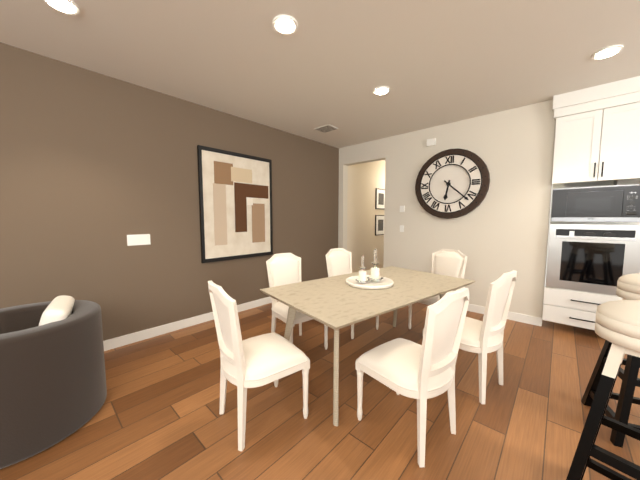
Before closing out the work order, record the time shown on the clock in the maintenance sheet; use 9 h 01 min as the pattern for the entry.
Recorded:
6 h 22 min
